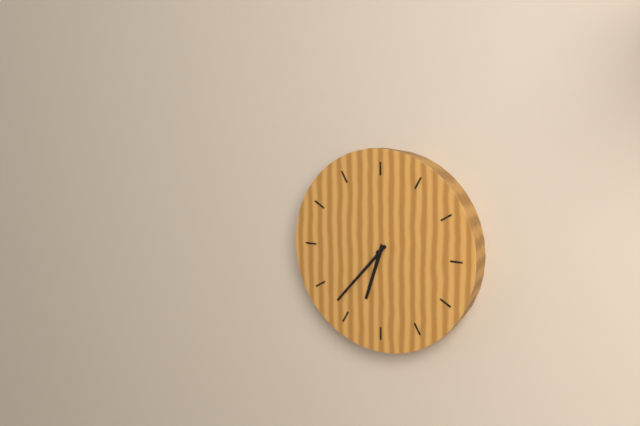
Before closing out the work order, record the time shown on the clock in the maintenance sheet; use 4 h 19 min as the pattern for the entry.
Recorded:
6 h 37 min
